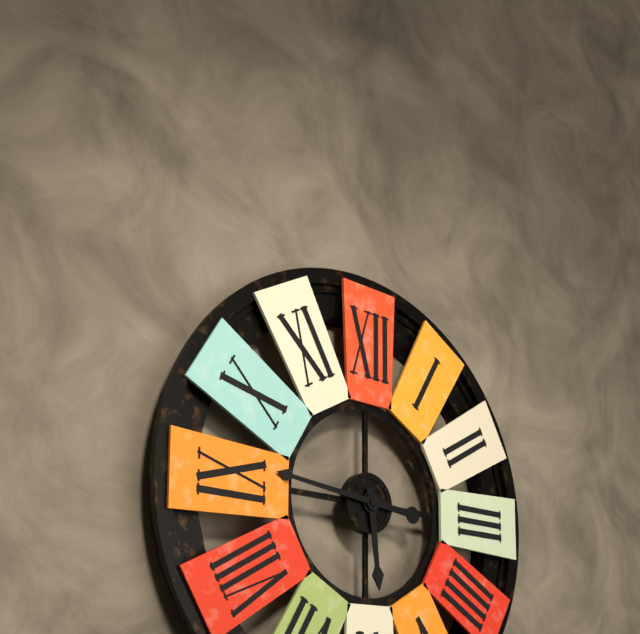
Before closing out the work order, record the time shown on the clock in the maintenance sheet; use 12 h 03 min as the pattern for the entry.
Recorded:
5 h 46 min
